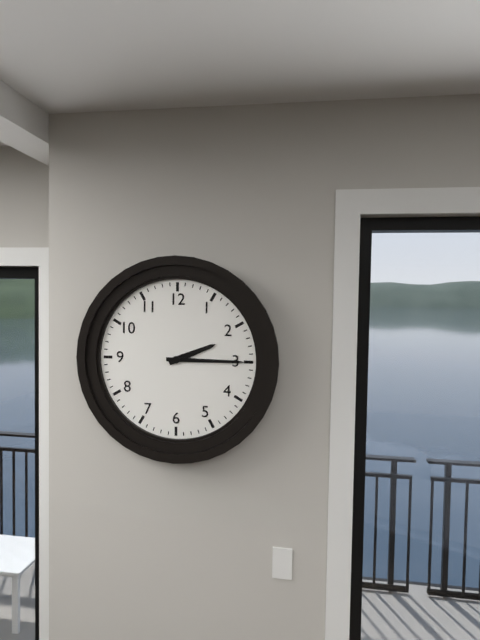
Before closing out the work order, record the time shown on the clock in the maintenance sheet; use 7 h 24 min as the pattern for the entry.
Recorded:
2 h 15 min
